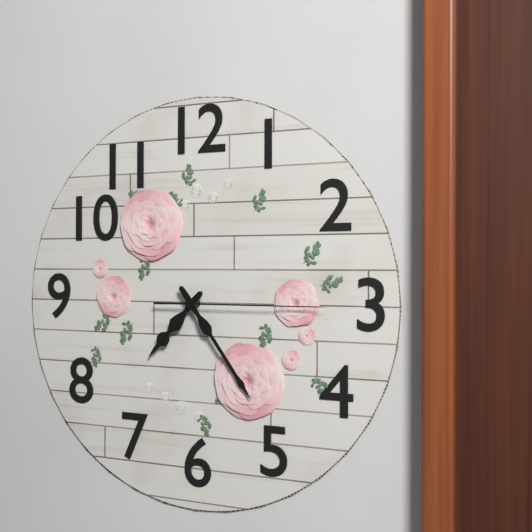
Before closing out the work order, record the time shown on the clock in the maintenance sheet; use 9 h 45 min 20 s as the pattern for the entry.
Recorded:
7 h 24 min 15 s
